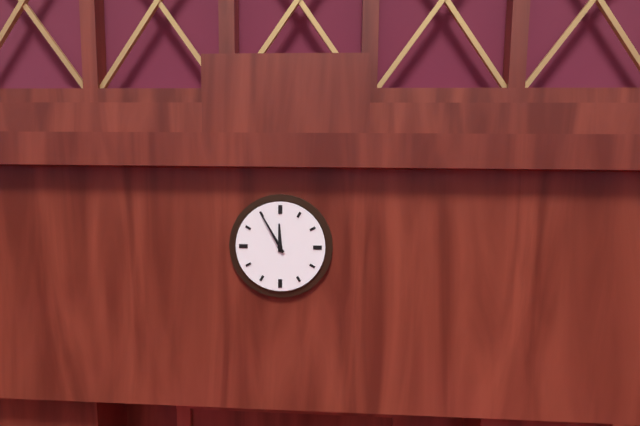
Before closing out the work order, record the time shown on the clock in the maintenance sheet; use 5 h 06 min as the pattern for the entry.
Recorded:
11 h 55 min
